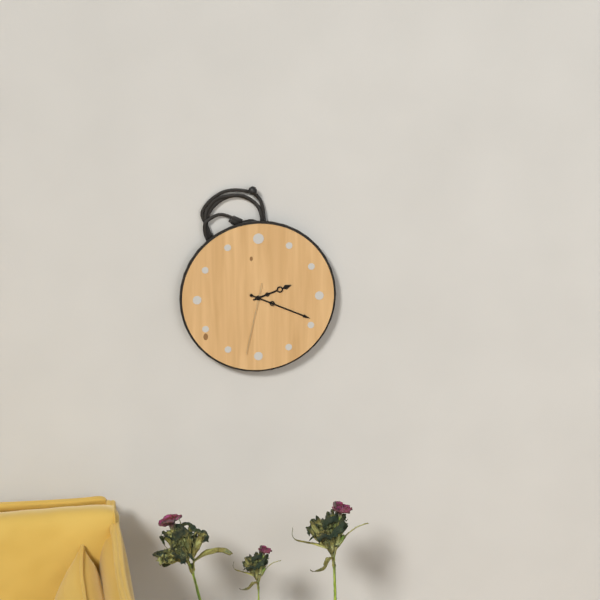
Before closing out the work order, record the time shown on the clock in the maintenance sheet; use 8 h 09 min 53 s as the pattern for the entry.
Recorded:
2 h 19 min 32 s
